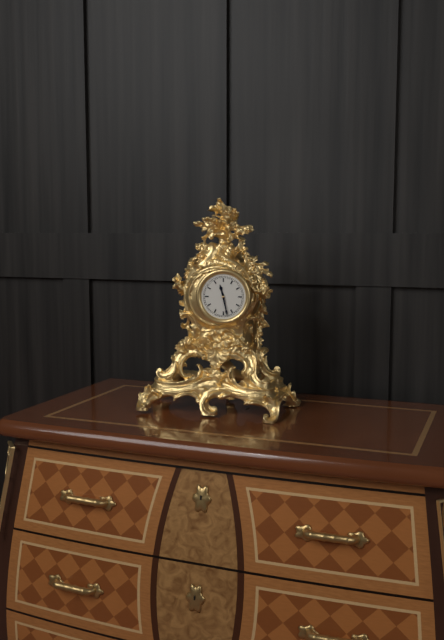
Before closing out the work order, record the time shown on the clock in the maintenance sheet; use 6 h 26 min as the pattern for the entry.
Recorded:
11 h 28 min
